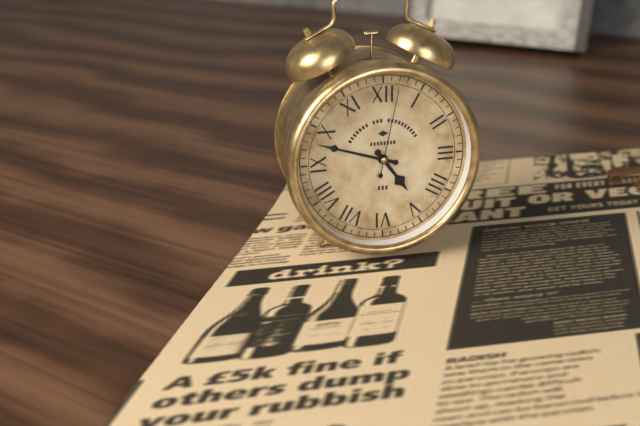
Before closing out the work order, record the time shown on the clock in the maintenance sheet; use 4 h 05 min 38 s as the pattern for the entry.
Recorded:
4 h 48 min 02 s
